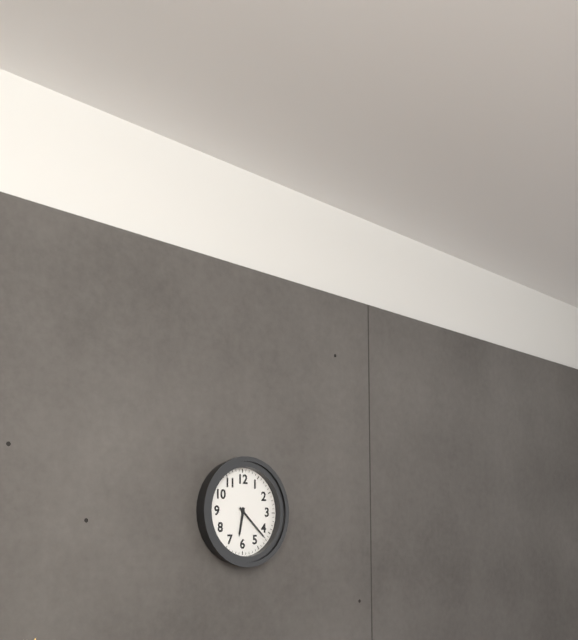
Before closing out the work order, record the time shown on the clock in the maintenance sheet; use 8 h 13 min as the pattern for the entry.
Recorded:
6 h 22 min
